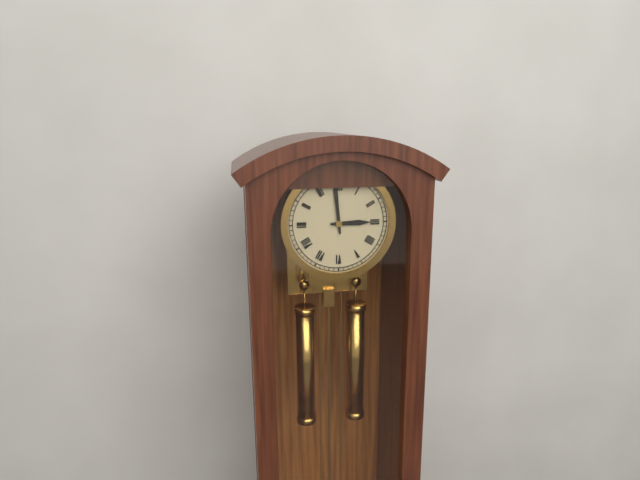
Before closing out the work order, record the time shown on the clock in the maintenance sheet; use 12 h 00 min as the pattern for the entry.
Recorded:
2 h 59 min
